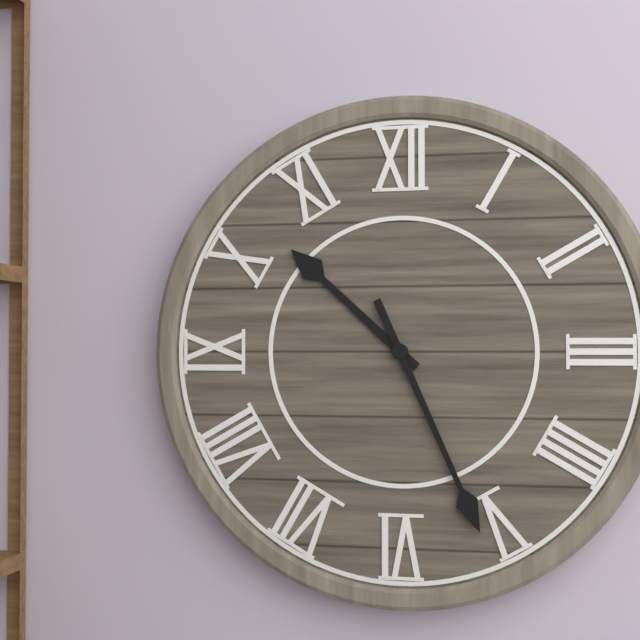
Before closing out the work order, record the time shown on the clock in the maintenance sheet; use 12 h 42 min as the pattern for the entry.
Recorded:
10 h 26 min
